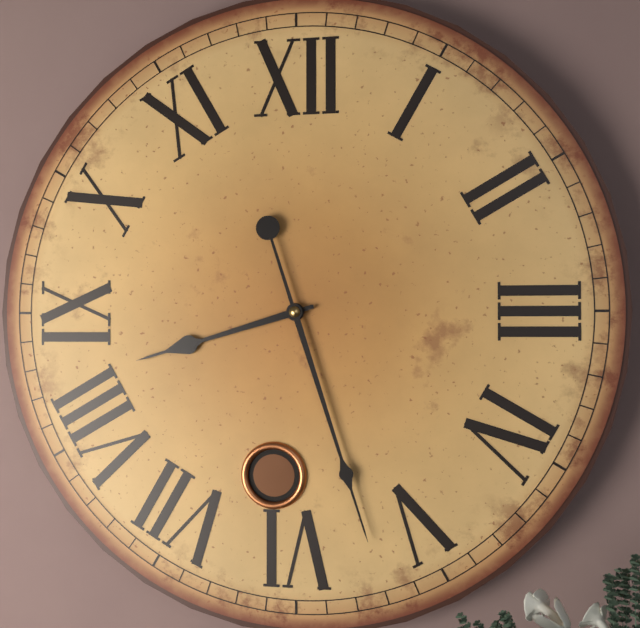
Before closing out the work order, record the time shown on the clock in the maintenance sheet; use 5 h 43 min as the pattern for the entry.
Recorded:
8 h 27 min
